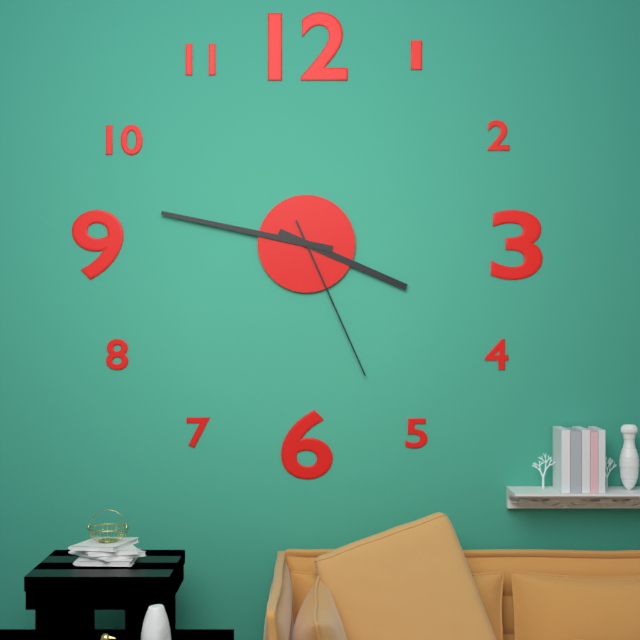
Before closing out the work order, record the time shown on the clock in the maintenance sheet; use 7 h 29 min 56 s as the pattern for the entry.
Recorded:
3 h 47 min 26 s
